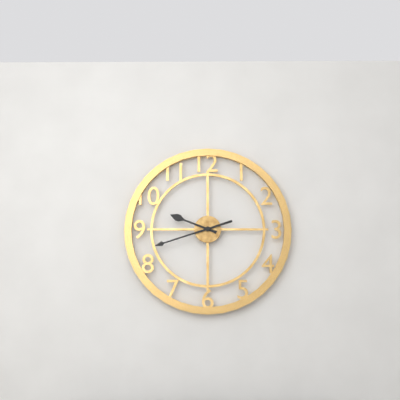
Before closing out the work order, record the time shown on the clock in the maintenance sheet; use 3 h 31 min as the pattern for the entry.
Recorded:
9 h 42 min
